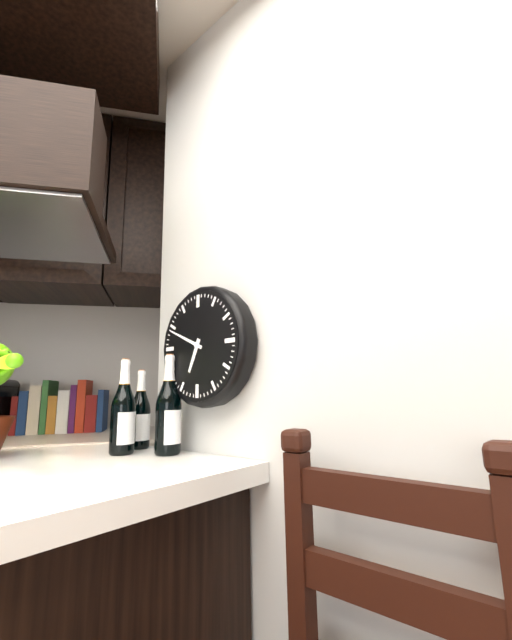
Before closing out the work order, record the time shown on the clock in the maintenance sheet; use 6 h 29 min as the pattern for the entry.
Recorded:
6 h 49 min
